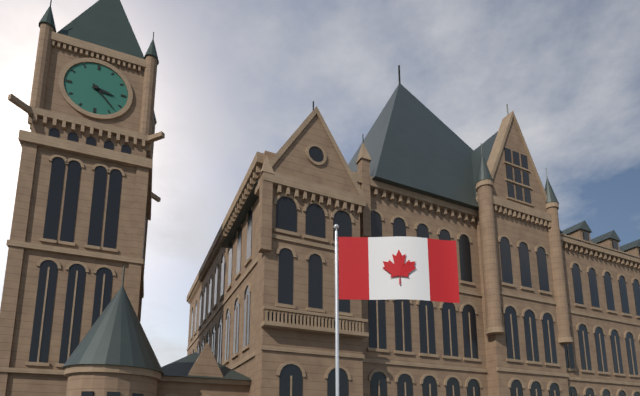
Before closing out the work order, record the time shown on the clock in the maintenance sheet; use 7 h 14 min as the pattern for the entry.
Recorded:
3 h 23 min
